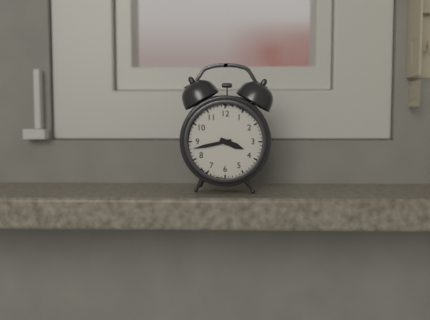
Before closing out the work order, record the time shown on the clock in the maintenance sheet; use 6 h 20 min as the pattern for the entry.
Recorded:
3 h 43 min
